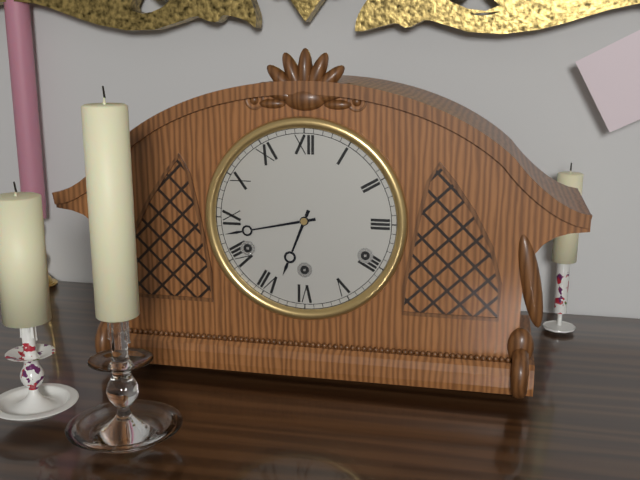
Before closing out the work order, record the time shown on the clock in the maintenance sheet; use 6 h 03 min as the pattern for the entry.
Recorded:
6 h 43 min
